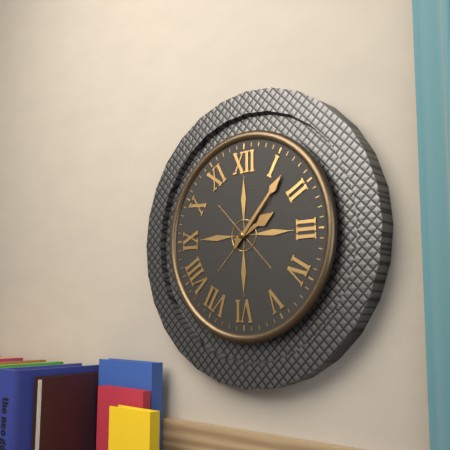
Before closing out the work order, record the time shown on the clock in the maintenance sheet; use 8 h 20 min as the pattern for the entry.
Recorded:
2 h 07 min
